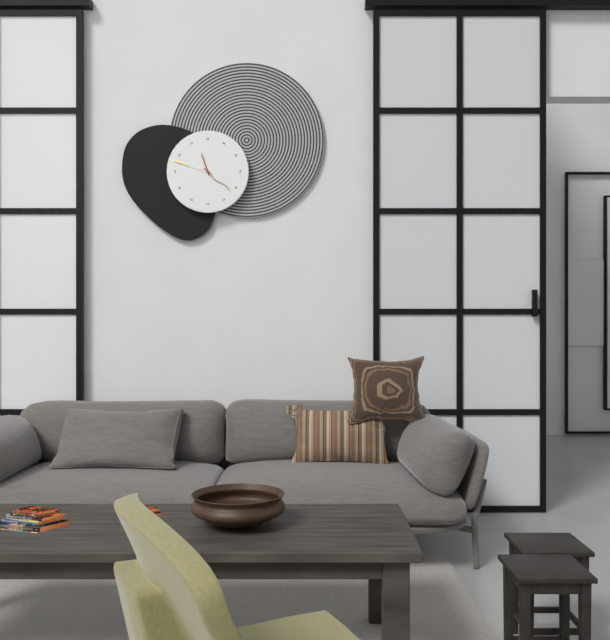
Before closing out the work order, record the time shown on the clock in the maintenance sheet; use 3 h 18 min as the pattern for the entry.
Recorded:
11 h 22 min
